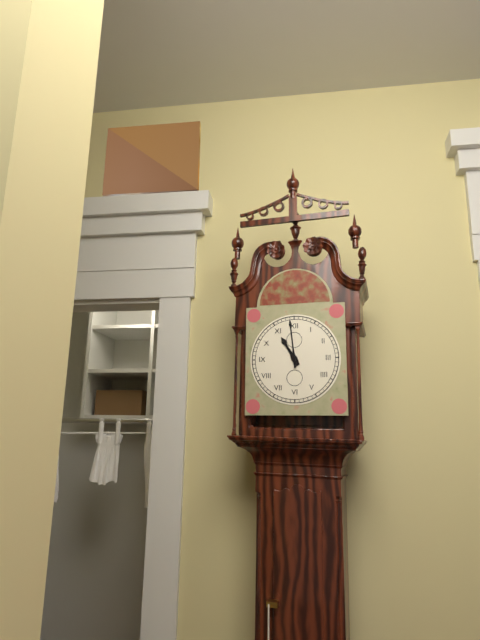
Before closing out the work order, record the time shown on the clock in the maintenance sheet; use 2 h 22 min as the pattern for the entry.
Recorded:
10 h 59 min
